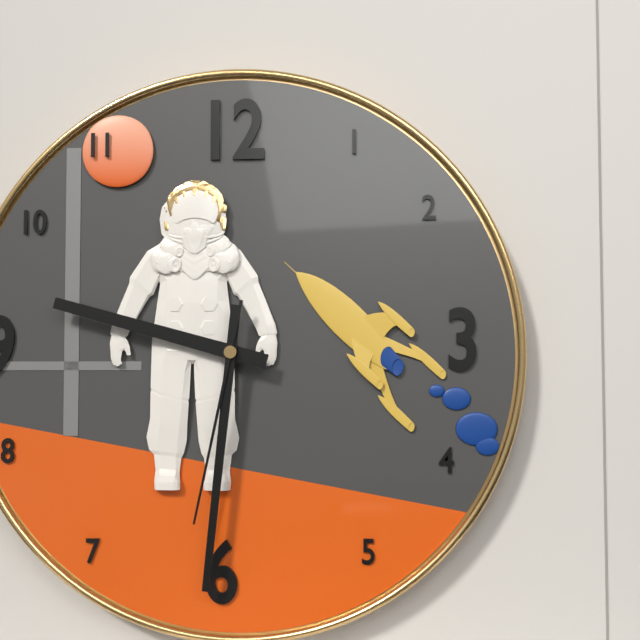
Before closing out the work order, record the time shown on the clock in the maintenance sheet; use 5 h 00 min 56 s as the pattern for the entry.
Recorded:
9 h 31 min 32 s
